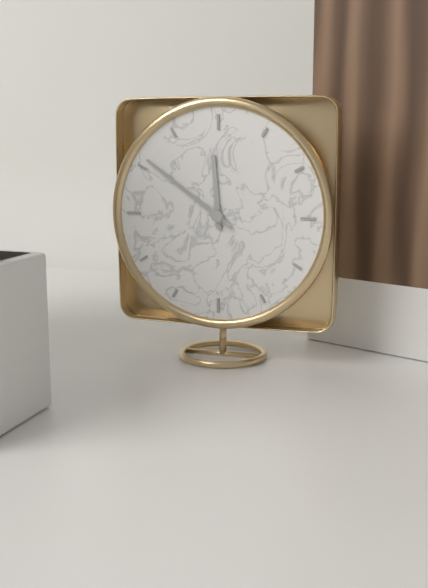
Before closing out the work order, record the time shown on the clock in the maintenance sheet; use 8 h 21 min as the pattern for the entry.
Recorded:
11 h 51 min
